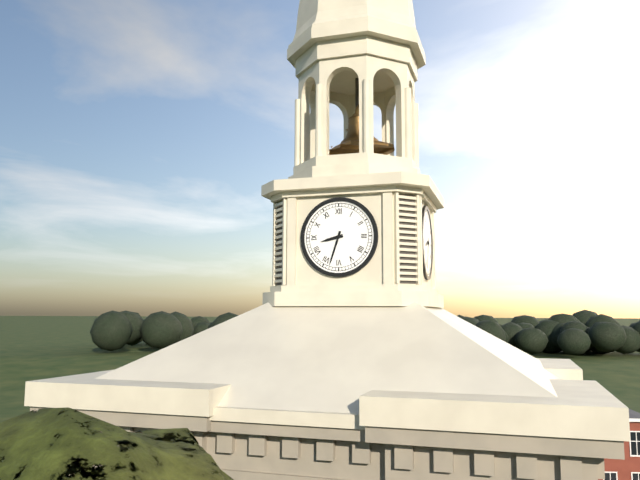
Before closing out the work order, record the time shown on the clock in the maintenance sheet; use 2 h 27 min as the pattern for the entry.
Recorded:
8 h 33 min
